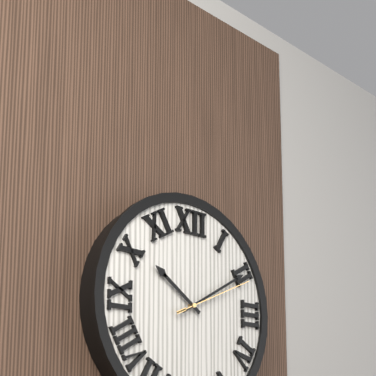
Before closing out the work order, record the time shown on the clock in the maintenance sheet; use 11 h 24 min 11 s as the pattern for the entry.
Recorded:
10 h 10 min 11 s
